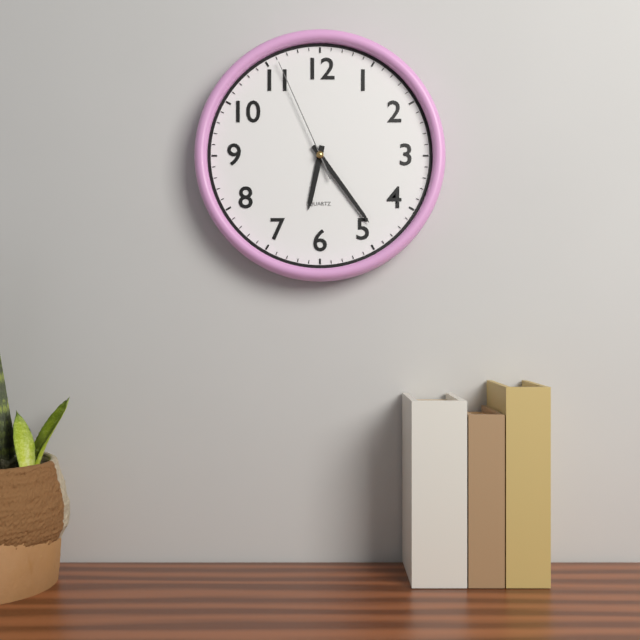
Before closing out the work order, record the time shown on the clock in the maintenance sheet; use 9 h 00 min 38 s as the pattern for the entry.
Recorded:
6 h 24 min 56 s
